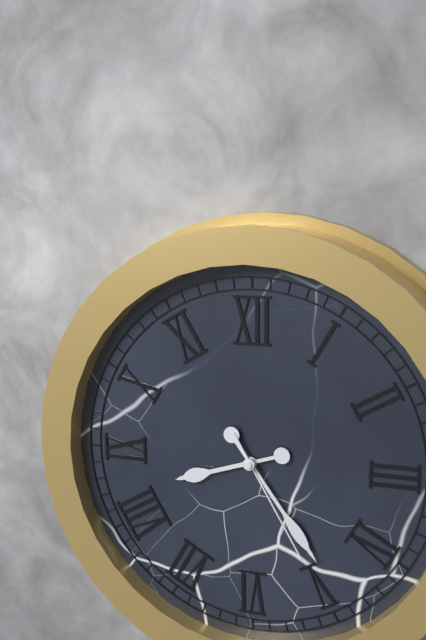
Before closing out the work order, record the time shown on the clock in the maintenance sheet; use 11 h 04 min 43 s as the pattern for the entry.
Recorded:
8 h 24 min 25 s
